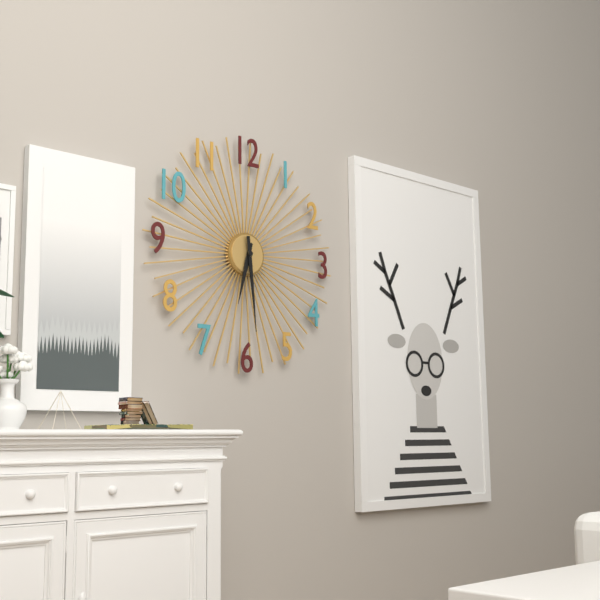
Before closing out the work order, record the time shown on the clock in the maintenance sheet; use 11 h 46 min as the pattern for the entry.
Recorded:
6 h 29 min
